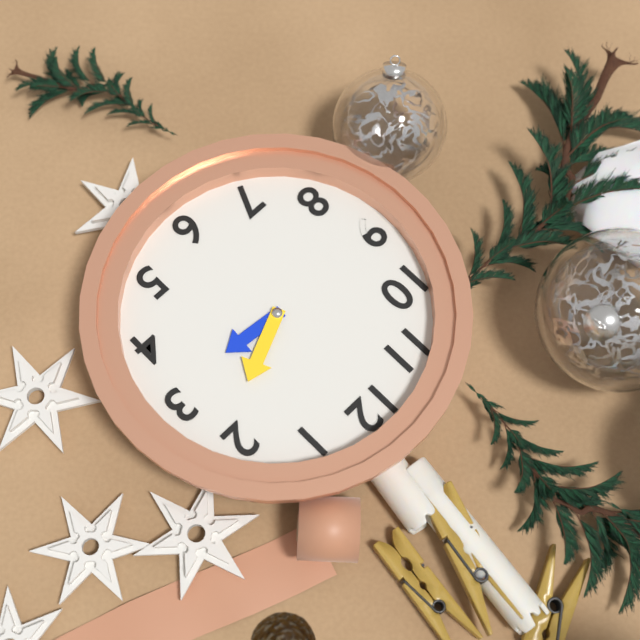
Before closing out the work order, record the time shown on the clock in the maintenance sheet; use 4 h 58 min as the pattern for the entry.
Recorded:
3 h 11 min
